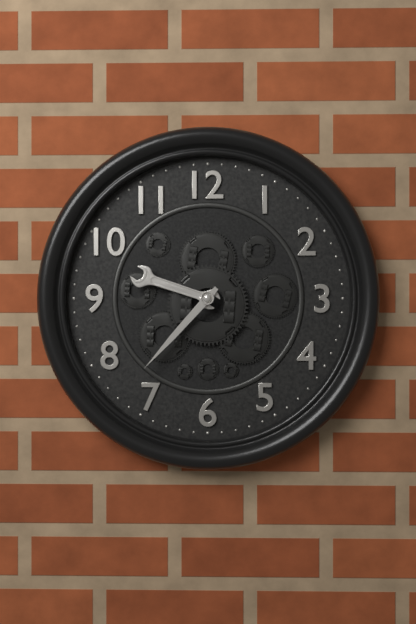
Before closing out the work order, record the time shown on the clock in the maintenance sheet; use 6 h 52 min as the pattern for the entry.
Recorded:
9 h 37 min
